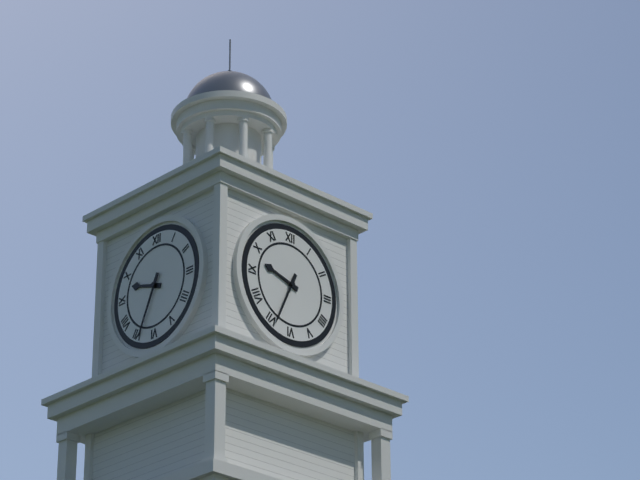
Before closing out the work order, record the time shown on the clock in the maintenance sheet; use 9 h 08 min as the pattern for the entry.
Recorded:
9 h 34 min
